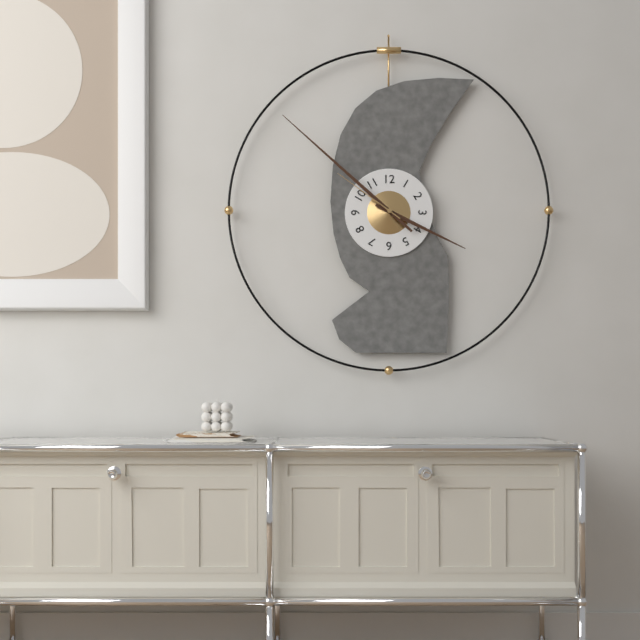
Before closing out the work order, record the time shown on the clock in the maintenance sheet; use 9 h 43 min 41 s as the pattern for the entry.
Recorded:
3 h 52 min 51 s
